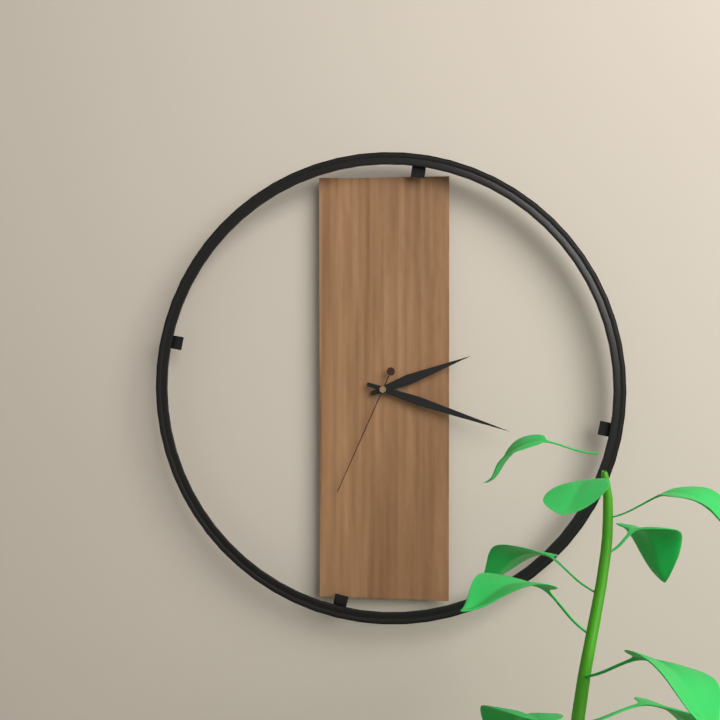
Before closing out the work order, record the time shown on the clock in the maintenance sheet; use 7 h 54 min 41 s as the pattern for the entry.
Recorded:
2 h 18 min 34 s
